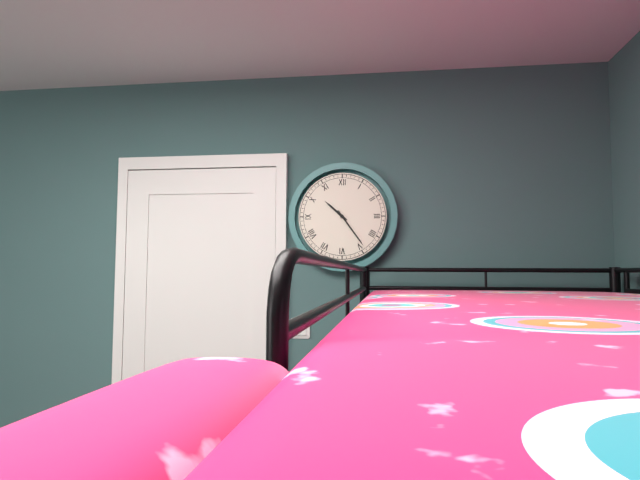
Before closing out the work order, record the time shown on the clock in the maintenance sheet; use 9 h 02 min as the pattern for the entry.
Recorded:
10 h 24 min
